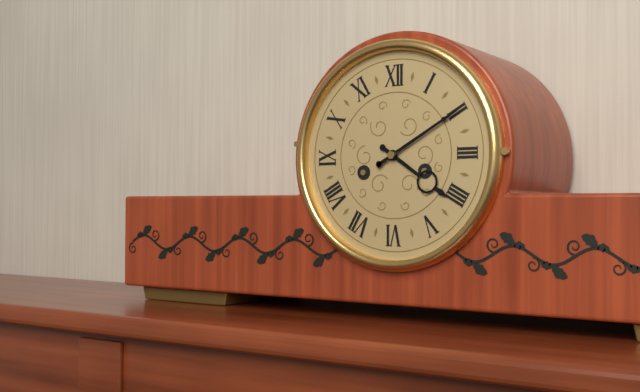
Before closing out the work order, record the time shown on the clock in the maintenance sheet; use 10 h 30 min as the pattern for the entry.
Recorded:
4 h 10 min
